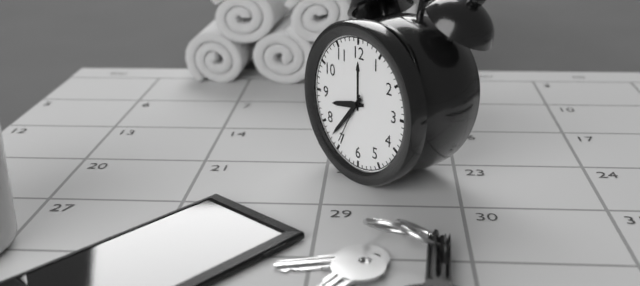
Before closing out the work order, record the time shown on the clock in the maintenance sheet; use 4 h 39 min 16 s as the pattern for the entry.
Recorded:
8 h 37 min 35 s
